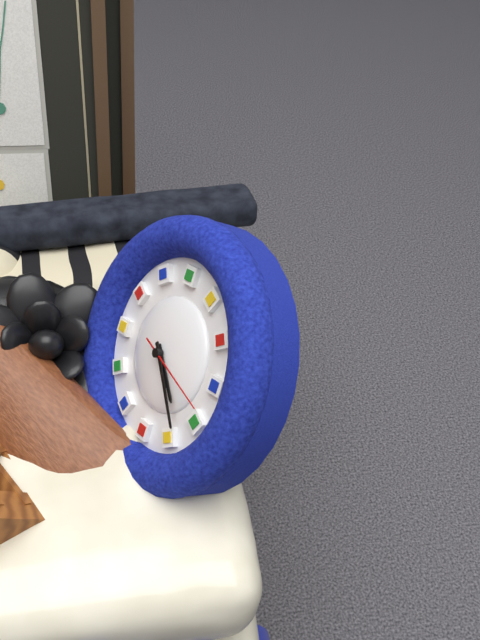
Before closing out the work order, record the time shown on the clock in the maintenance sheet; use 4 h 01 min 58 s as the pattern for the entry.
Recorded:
5 h 28 min 23 s
